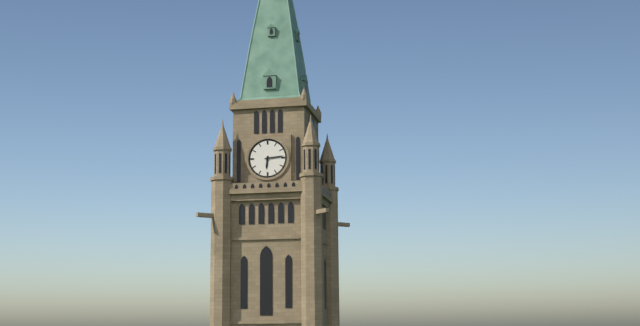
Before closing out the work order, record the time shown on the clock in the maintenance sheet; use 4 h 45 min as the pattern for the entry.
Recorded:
6 h 14 min
